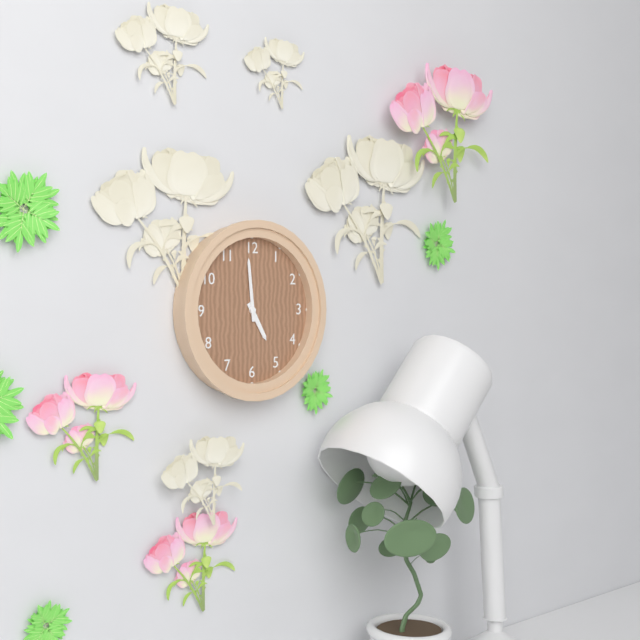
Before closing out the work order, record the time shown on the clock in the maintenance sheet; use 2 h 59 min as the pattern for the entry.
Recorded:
4 h 59 min
